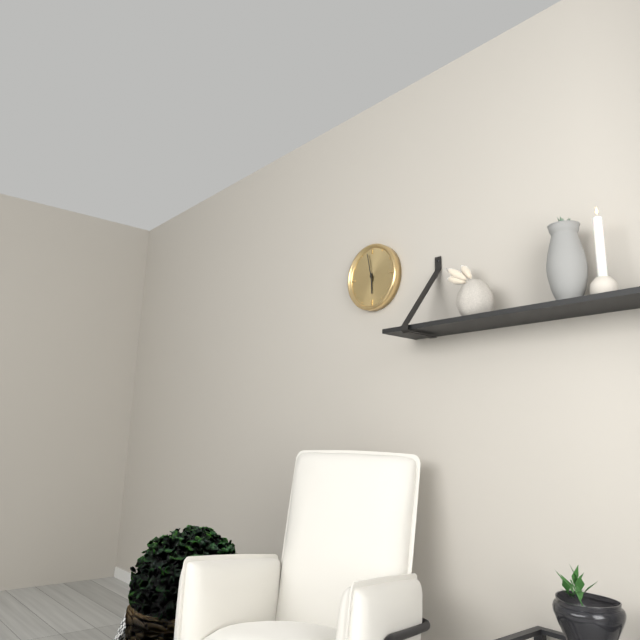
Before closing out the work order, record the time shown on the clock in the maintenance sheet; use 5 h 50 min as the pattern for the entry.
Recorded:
5 h 58 min
